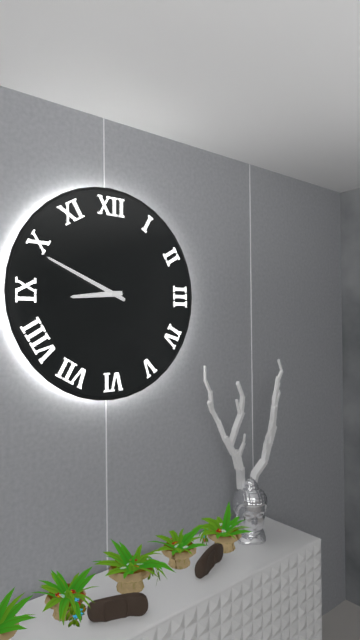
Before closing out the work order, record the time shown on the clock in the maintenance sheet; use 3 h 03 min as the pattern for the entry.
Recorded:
8 h 49 min
